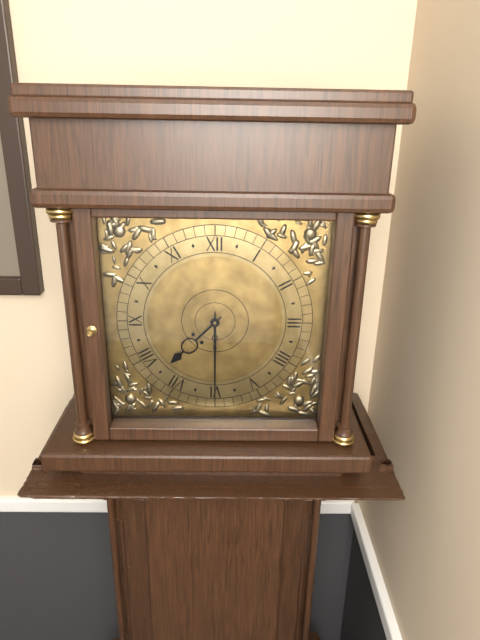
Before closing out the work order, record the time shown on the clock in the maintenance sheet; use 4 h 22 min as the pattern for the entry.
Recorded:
7 h 30 min
